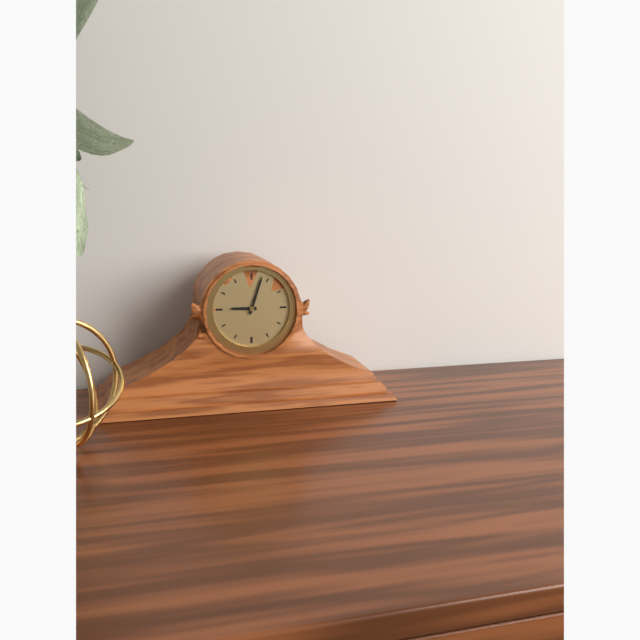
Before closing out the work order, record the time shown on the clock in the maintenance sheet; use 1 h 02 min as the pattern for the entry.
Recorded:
9 h 03 min
